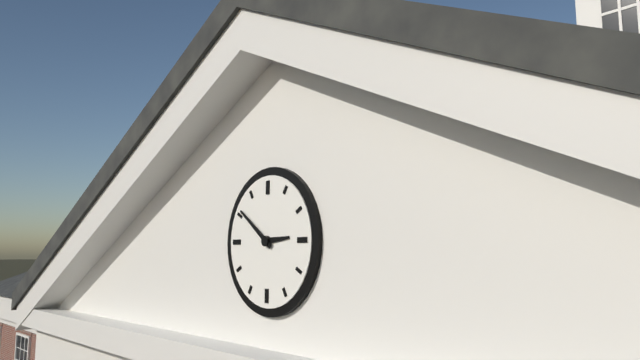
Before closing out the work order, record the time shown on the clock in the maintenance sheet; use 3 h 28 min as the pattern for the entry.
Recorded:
2 h 51 min
